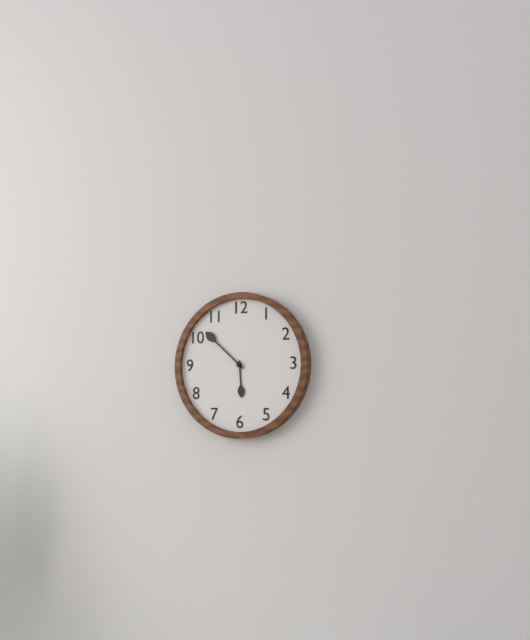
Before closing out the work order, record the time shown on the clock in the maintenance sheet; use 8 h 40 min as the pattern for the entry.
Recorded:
5 h 52 min
